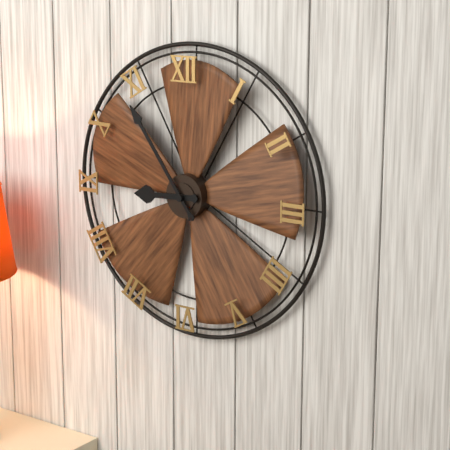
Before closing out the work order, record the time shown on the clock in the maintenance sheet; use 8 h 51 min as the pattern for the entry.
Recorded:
8 h 54 min
